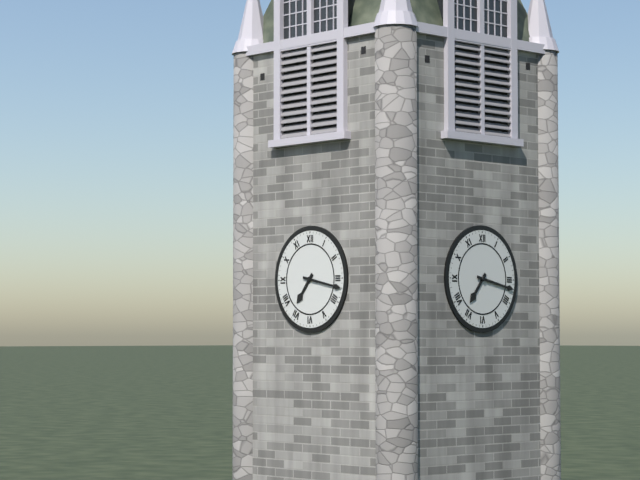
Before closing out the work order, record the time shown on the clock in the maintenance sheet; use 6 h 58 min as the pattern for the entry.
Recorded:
7 h 17 min
